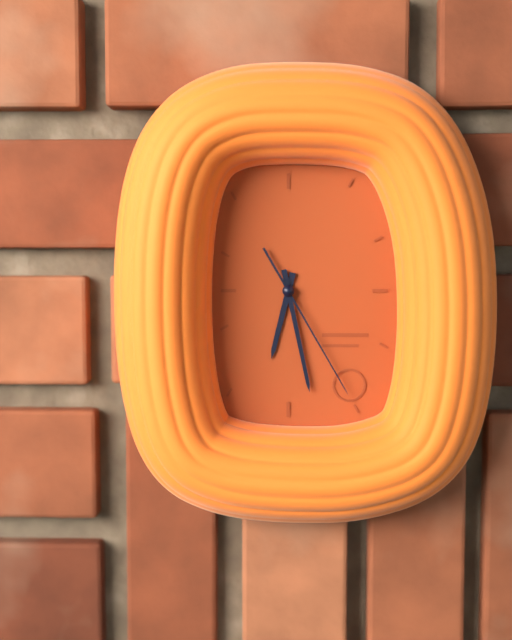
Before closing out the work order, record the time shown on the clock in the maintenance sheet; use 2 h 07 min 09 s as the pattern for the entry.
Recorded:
6 h 28 min 25 s
